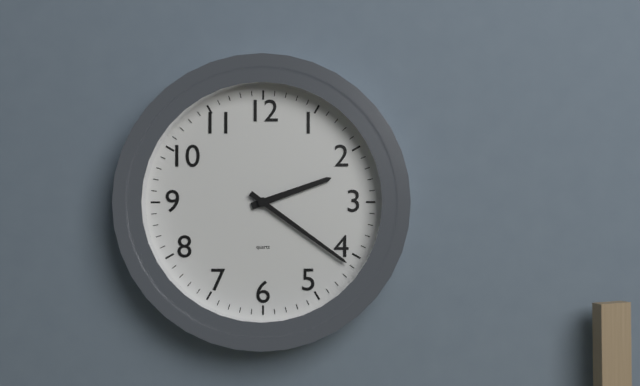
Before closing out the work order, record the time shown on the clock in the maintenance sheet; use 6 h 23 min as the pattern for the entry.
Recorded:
2 h 21 min
